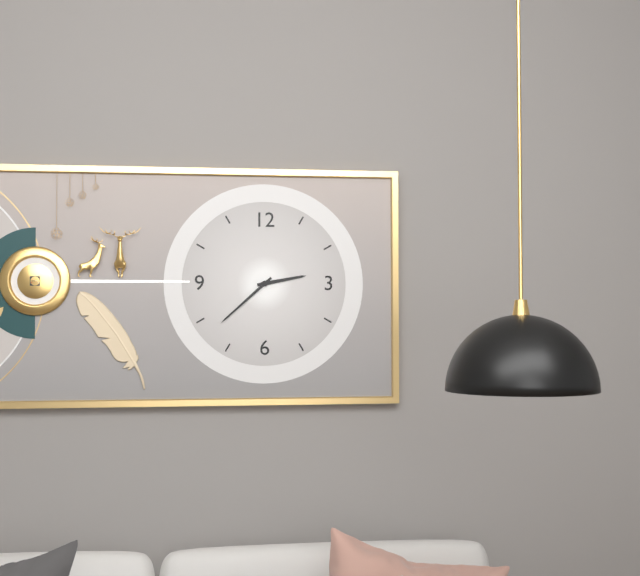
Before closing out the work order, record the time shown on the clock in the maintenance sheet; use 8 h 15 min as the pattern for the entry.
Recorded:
2 h 38 min
